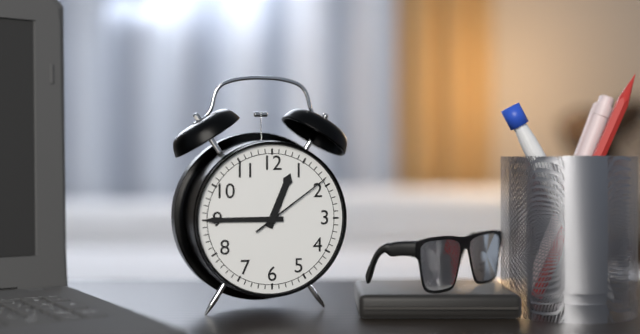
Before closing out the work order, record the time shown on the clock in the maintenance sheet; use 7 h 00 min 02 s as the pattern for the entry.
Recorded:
12 h 45 min 09 s
